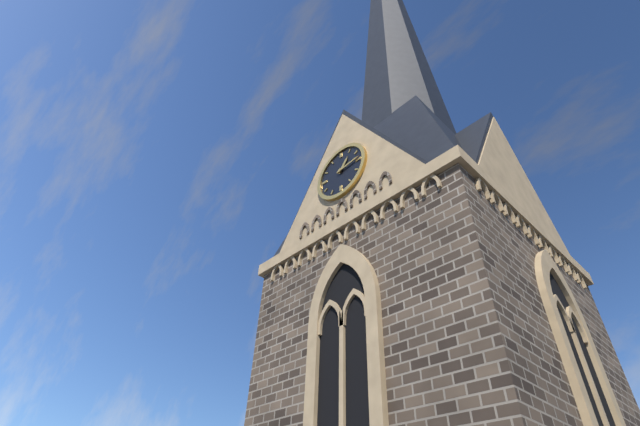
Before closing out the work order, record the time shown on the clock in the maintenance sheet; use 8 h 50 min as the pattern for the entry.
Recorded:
1 h 14 min
